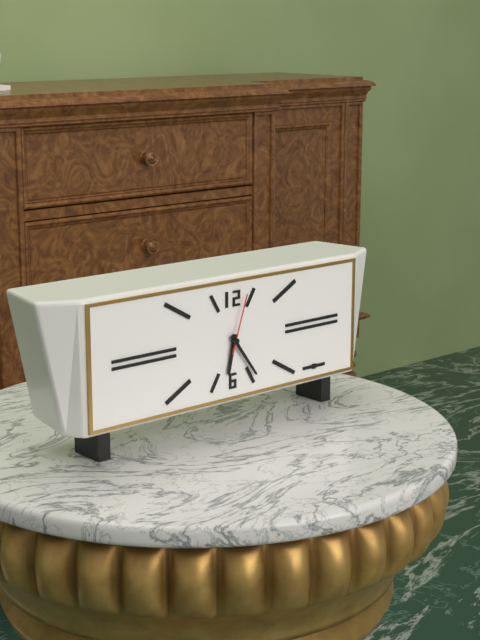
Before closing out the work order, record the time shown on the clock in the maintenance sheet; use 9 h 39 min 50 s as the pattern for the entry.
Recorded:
6 h 24 min 03 s
